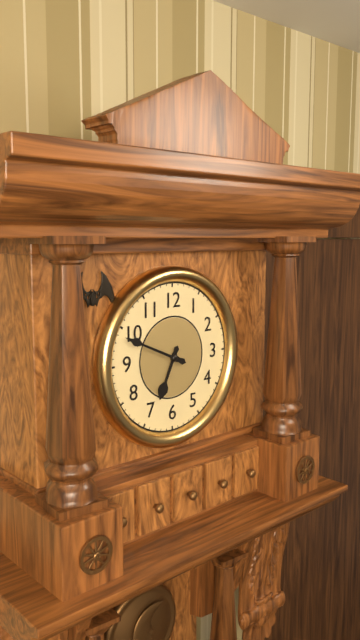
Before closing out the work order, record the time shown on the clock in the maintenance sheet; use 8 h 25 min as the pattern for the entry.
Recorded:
6 h 49 min
